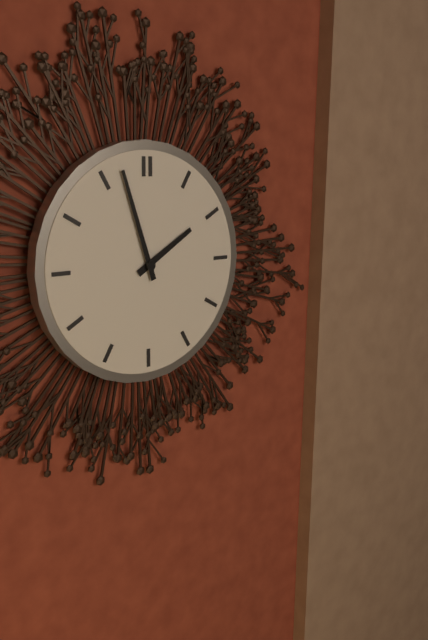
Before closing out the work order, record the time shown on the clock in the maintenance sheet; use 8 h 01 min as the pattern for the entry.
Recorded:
1 h 57 min
